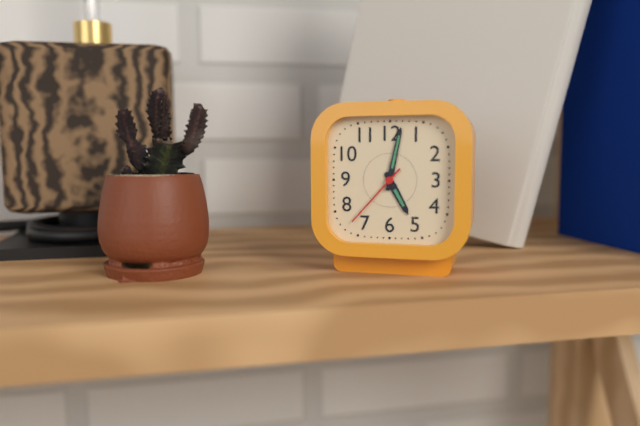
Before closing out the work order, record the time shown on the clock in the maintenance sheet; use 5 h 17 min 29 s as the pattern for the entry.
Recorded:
5 h 02 min 37 s
